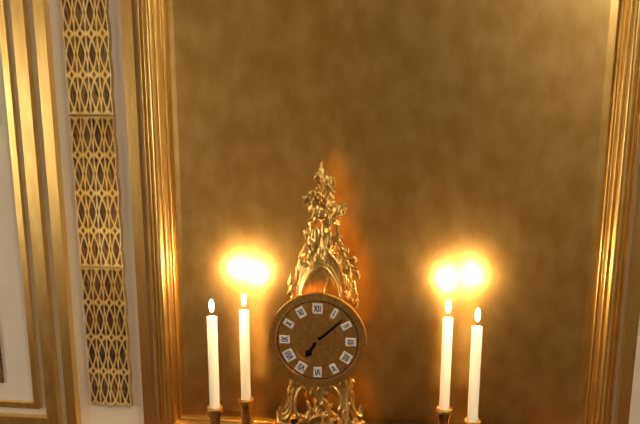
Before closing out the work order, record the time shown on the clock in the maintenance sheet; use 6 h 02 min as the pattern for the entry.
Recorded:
7 h 08 min
